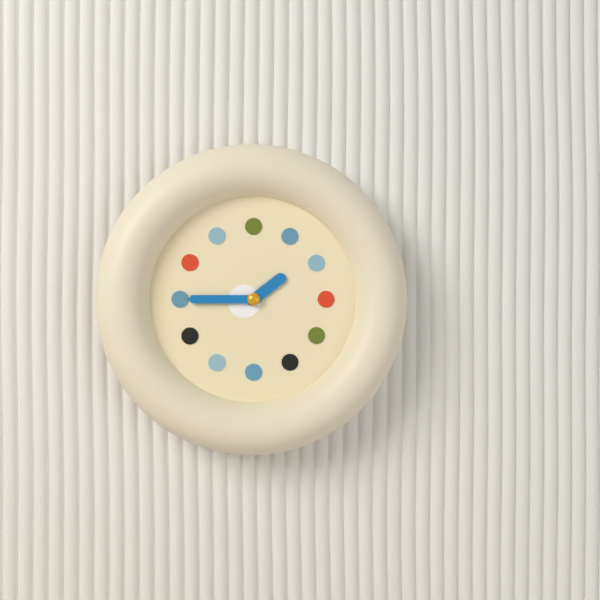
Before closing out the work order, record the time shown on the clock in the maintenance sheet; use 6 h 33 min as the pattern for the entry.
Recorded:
1 h 45 min
